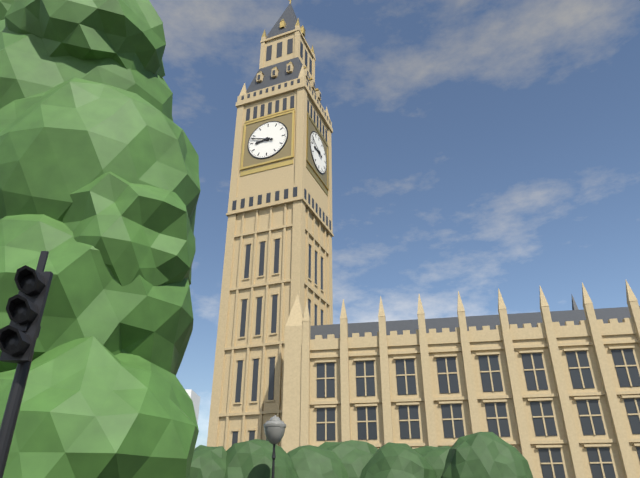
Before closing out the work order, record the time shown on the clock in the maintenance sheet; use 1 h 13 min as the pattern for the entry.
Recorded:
8 h 48 min
